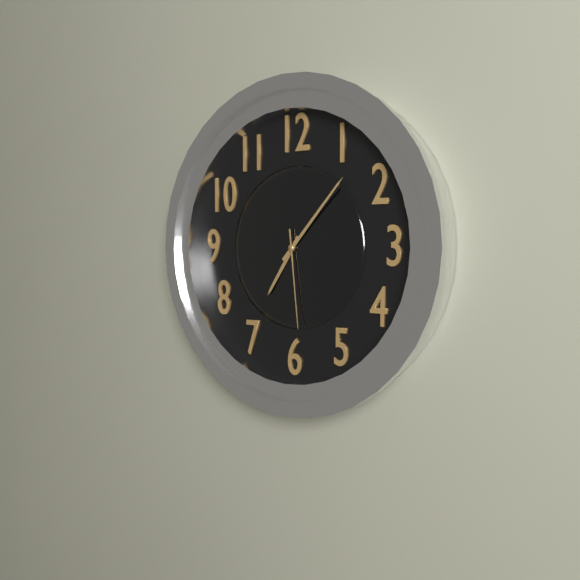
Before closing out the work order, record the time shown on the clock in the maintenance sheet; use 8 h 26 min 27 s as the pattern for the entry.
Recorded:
7 h 07 min 29 s
